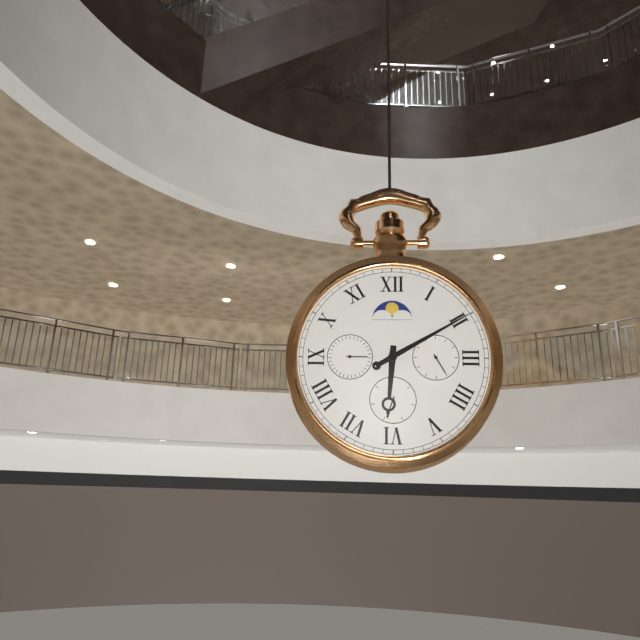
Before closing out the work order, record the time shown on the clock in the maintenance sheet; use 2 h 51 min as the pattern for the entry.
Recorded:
6 h 10 min
